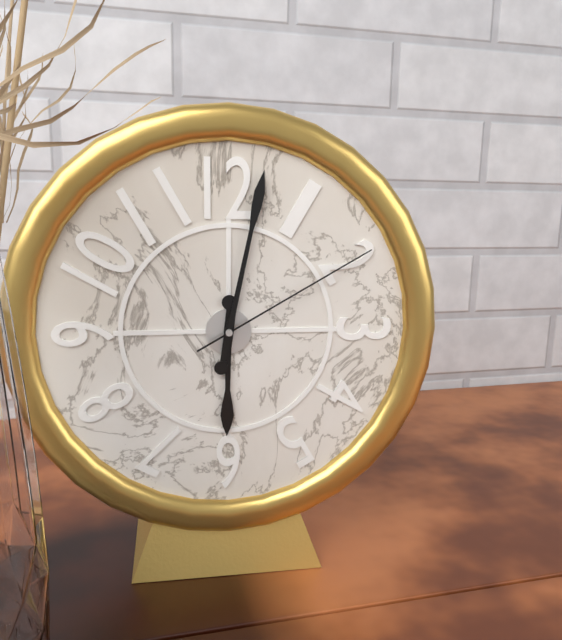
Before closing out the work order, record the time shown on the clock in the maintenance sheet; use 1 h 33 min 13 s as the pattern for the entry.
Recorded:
6 h 02 min 10 s
